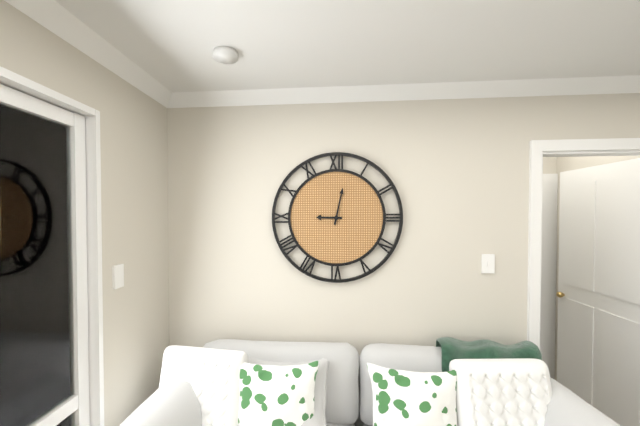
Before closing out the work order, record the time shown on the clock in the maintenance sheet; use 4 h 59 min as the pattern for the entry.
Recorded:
9 h 02 min
